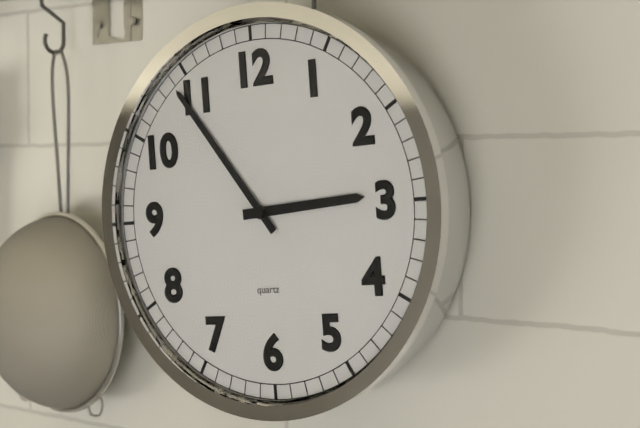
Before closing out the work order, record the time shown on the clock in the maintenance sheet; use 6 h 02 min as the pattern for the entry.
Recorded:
2 h 54 min
